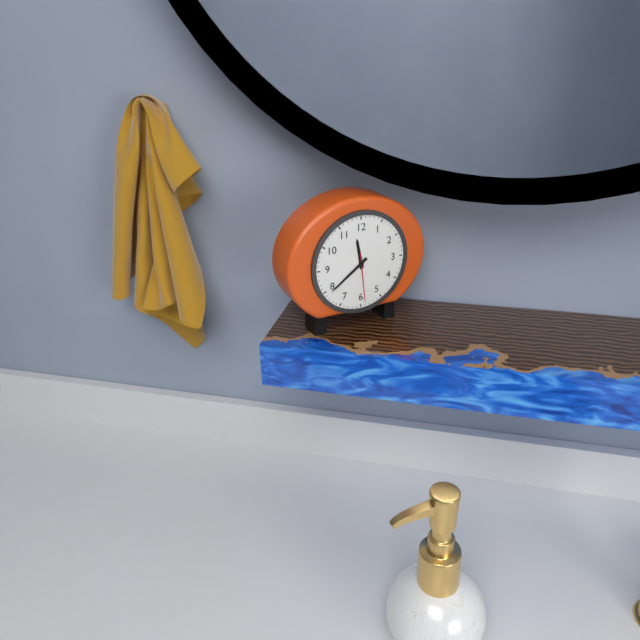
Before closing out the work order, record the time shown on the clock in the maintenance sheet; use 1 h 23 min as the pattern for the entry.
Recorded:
11 h 39 min
